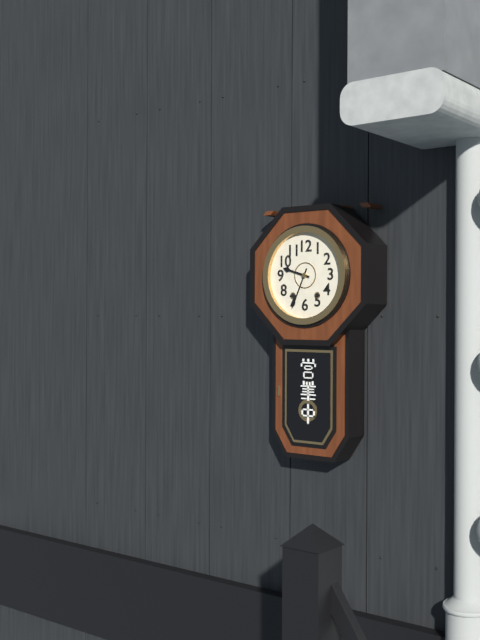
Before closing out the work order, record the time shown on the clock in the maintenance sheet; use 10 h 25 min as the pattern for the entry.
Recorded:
9 h 34 min
